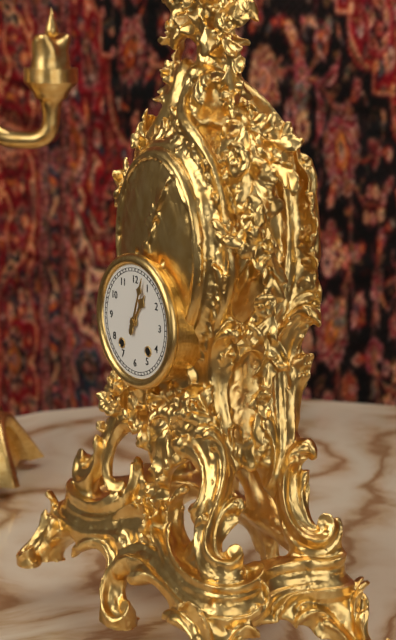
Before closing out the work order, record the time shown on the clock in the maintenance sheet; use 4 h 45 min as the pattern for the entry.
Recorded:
1 h 03 min
